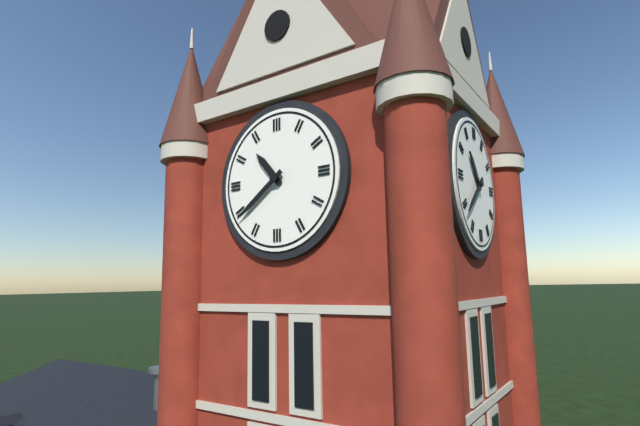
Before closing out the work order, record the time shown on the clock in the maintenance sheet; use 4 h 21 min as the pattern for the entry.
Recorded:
10 h 39 min
